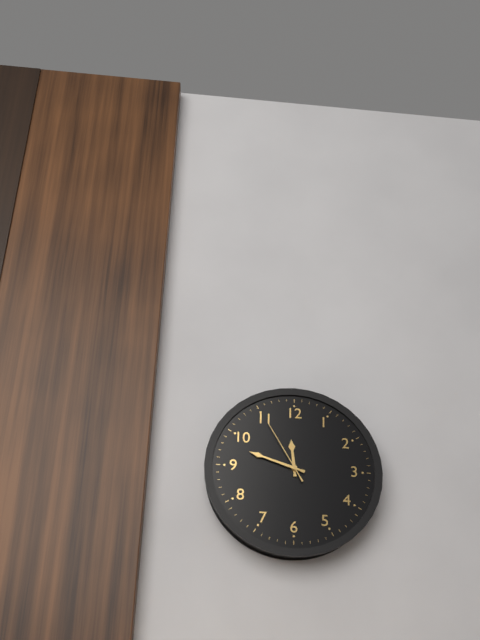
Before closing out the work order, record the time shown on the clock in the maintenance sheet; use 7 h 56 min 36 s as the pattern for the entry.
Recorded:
11 h 48 min 55 s
